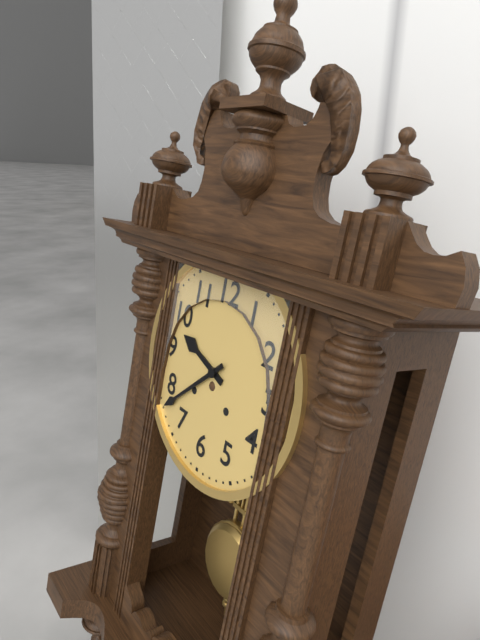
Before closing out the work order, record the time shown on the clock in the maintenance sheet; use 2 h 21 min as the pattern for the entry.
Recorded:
9 h 38 min
